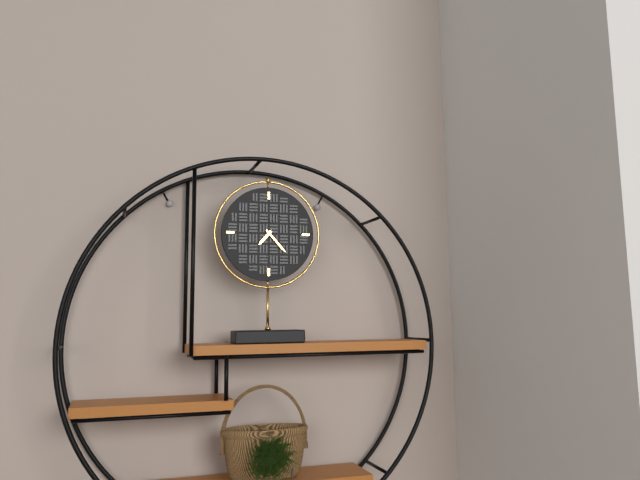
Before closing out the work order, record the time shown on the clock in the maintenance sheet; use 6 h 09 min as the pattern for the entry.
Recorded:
7 h 23 min
